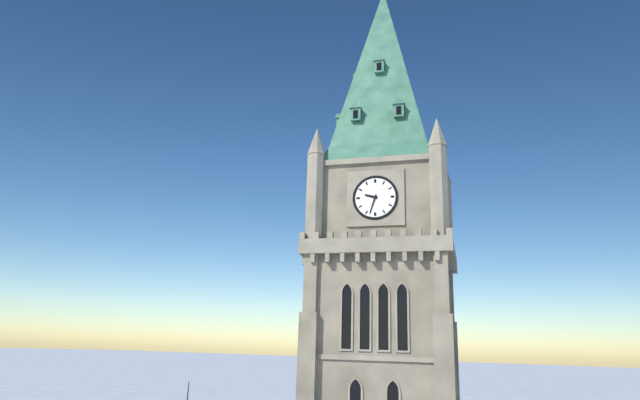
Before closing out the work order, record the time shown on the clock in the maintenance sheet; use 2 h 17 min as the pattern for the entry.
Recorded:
9 h 33 min
